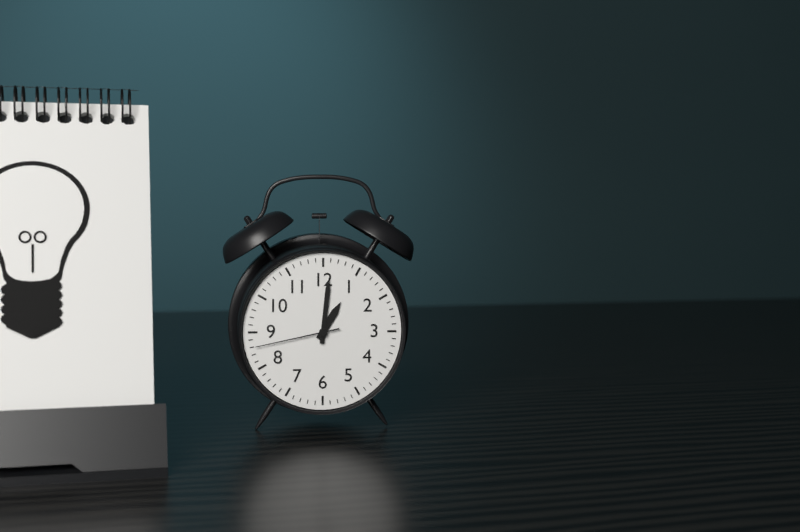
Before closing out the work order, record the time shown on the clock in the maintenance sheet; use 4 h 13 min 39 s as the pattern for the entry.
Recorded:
1 h 01 min 43 s
